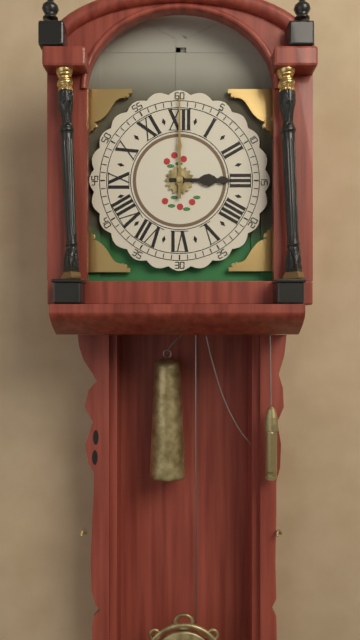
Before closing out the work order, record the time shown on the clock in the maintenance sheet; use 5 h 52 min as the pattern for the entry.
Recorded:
3 h 00 min
